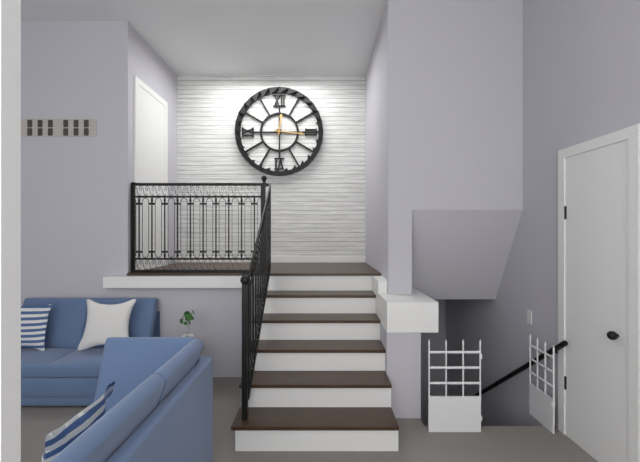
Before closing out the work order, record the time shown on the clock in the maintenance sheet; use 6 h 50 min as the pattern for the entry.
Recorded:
12 h 16 min
